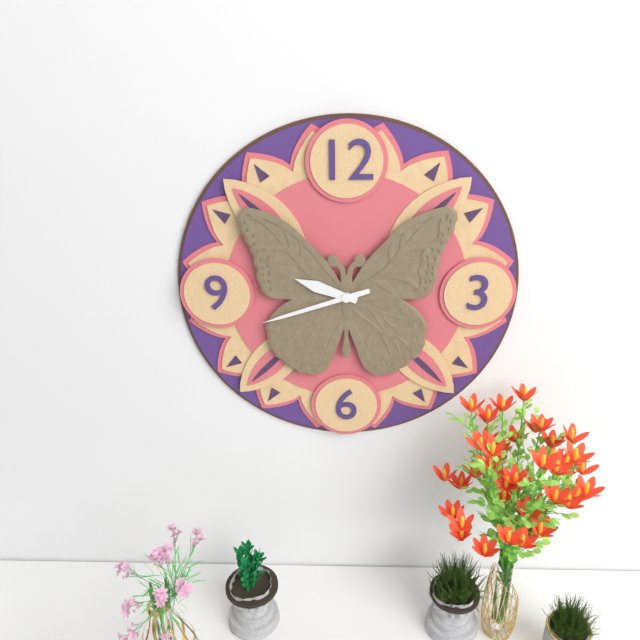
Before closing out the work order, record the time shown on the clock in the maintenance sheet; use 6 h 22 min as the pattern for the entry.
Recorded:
9 h 42 min
